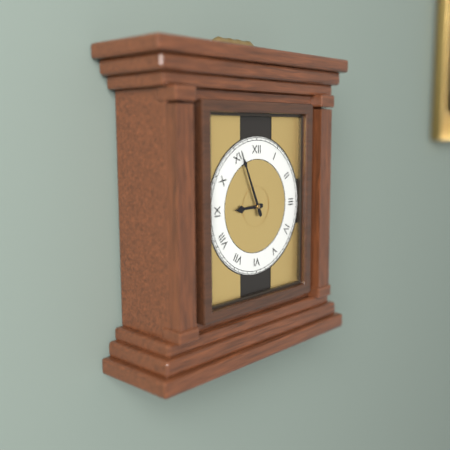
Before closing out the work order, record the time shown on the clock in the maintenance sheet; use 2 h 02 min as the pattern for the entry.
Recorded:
8 h 56 min
